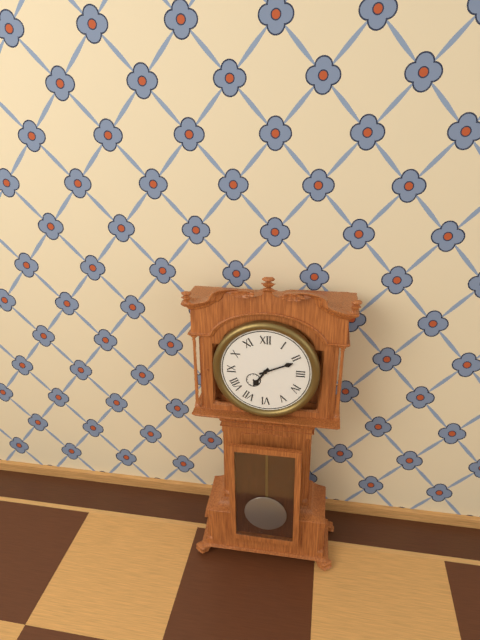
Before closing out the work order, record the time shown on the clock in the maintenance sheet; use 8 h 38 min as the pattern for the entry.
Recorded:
7 h 11 min
